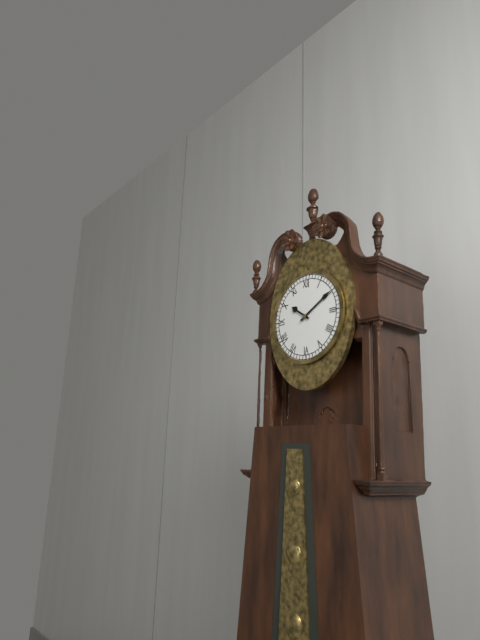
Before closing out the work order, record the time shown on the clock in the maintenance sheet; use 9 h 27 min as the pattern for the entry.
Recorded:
10 h 10 min
